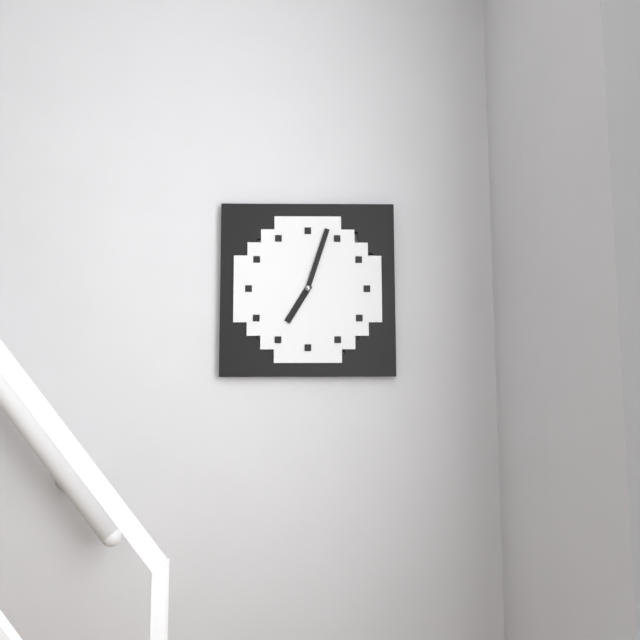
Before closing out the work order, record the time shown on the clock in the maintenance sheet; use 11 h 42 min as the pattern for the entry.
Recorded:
7 h 03 min
